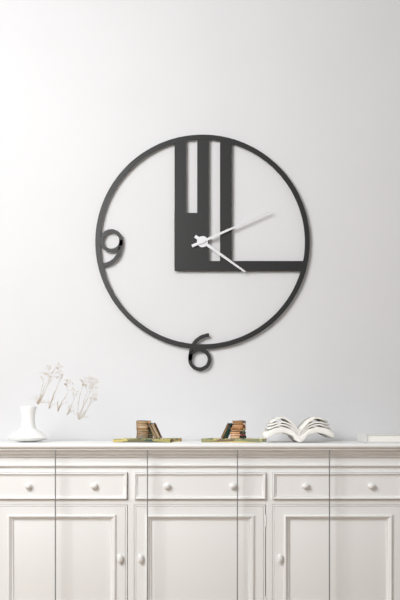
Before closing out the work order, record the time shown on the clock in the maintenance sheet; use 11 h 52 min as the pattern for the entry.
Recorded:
4 h 11 min
